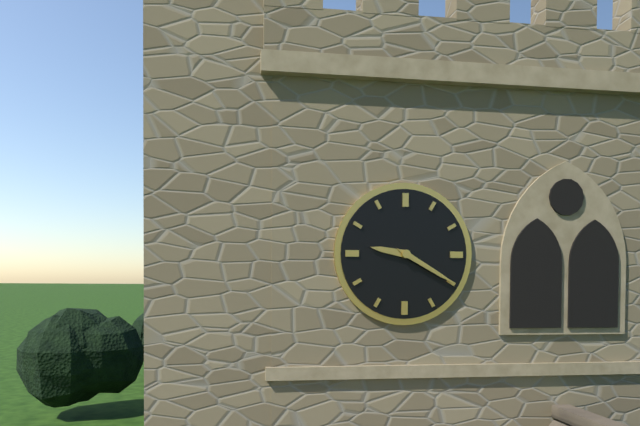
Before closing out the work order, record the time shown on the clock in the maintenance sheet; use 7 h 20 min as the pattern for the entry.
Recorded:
9 h 20 min
